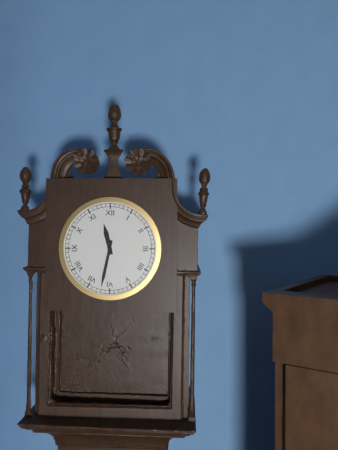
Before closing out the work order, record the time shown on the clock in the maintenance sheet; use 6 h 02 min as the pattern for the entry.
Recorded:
11 h 32 min
